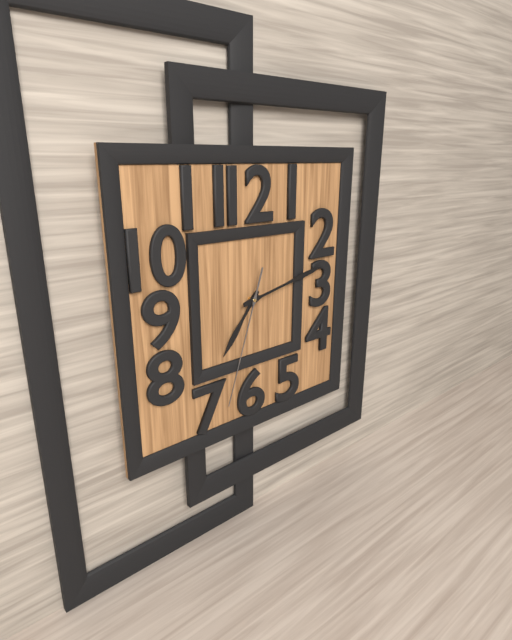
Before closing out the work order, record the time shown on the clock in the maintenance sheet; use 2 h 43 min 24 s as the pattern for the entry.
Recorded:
7 h 13 min 33 s
